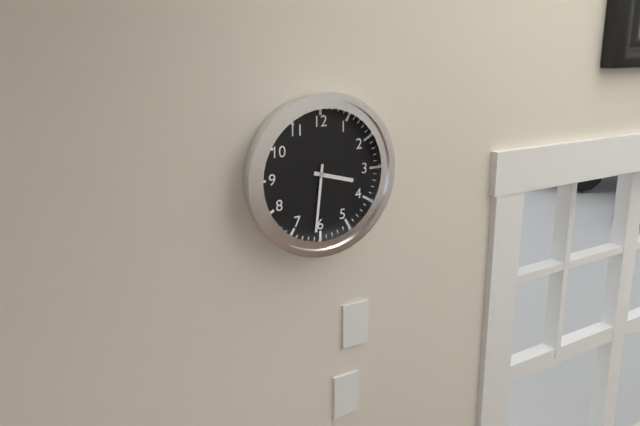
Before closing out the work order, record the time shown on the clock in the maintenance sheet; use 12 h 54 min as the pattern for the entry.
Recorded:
3 h 31 min
